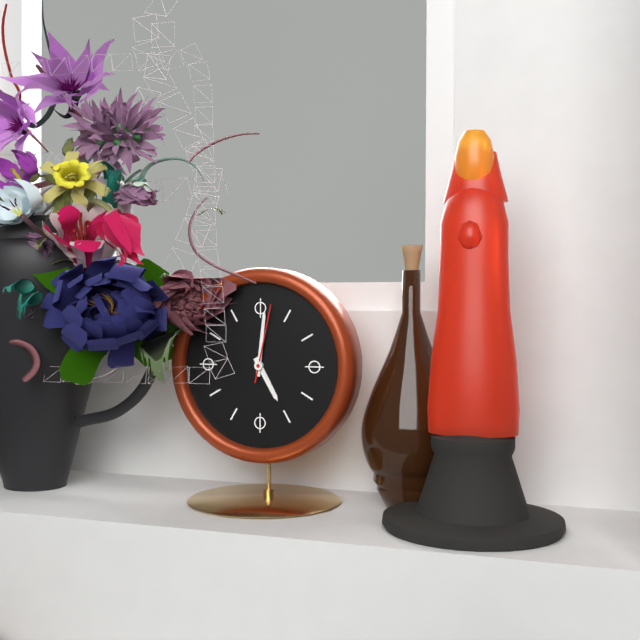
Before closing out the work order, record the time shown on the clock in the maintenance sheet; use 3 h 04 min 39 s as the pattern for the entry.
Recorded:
5 h 01 min 02 s
